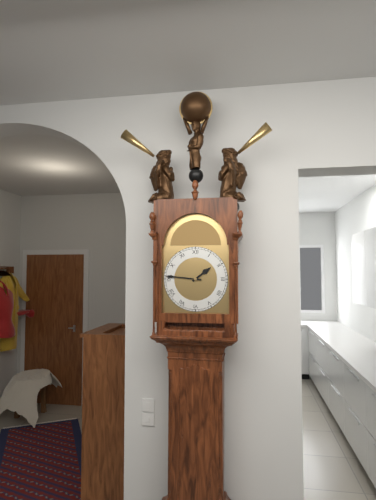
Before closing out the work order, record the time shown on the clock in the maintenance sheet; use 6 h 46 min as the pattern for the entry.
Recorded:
1 h 46 min
